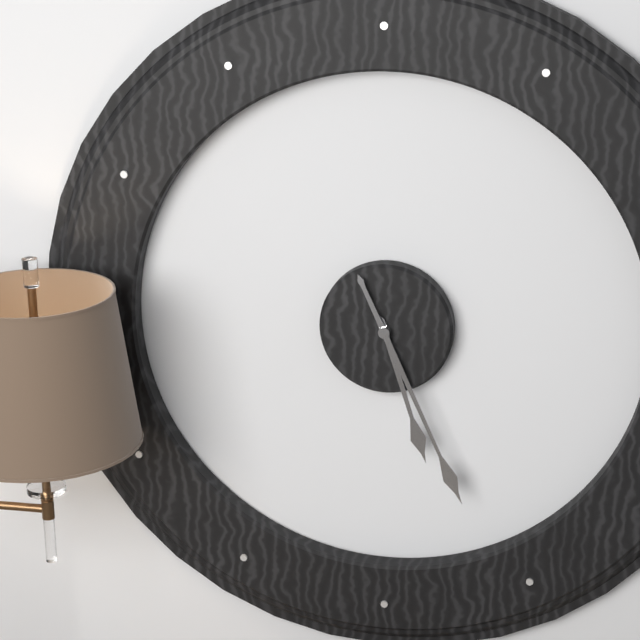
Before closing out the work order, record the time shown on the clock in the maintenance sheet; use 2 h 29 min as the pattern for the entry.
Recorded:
5 h 26 min
